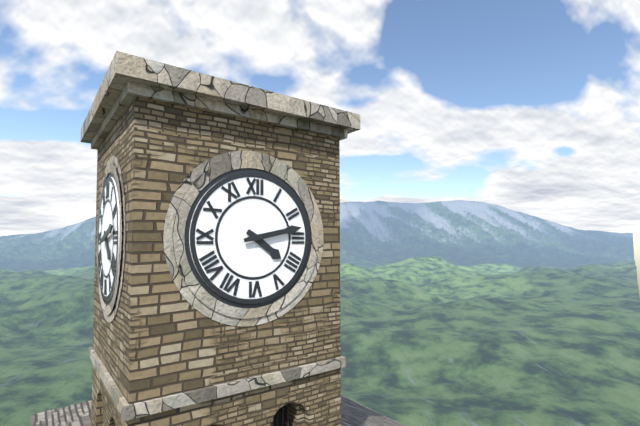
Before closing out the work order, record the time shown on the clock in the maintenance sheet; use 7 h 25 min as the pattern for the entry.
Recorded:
4 h 13 min
